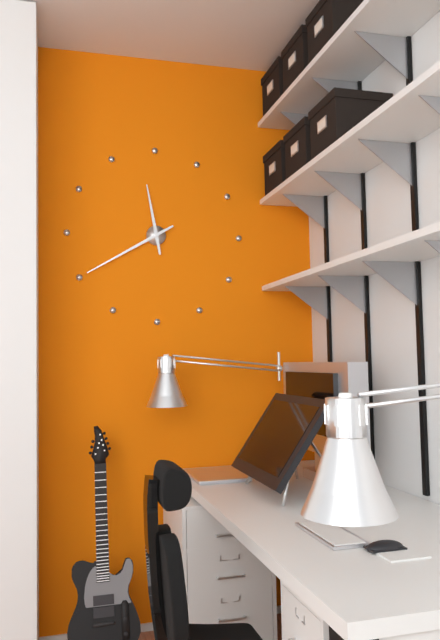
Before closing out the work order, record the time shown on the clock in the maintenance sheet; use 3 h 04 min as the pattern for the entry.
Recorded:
11 h 40 min
